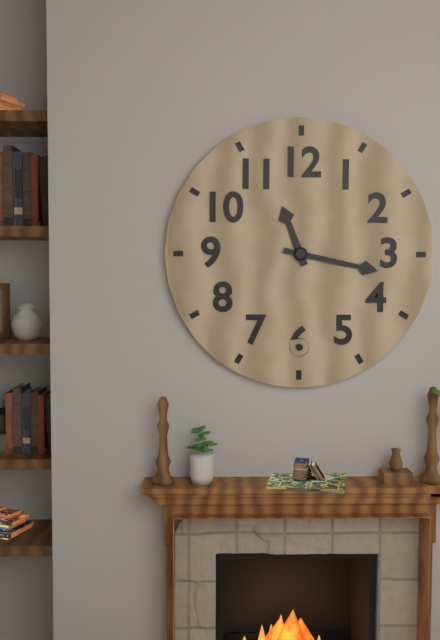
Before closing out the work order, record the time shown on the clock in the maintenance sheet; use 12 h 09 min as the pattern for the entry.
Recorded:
11 h 17 min
